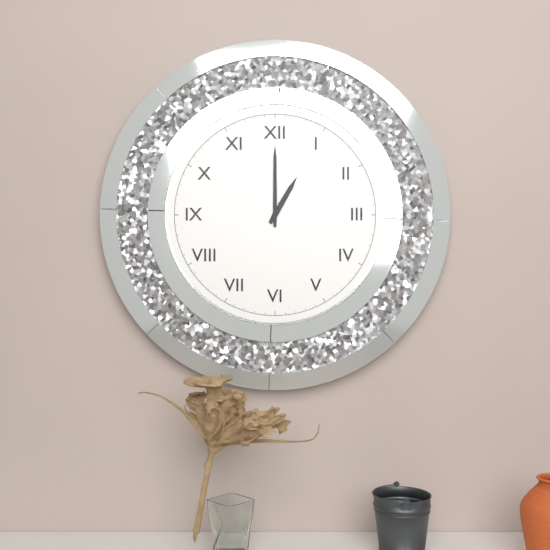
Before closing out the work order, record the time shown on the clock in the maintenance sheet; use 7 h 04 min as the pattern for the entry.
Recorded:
1 h 00 min
